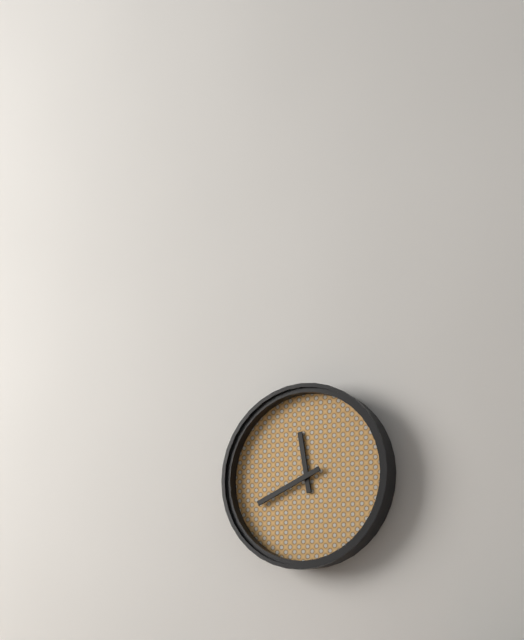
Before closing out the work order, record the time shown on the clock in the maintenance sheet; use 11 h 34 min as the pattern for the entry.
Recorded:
11 h 41 min
